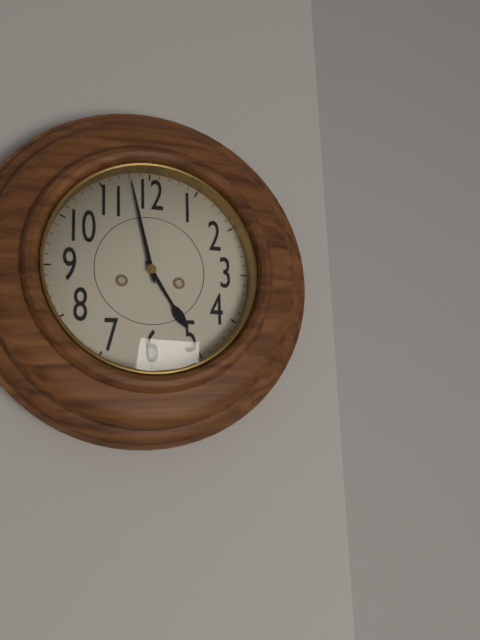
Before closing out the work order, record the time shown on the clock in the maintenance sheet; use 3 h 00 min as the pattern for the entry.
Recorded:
4 h 58 min
